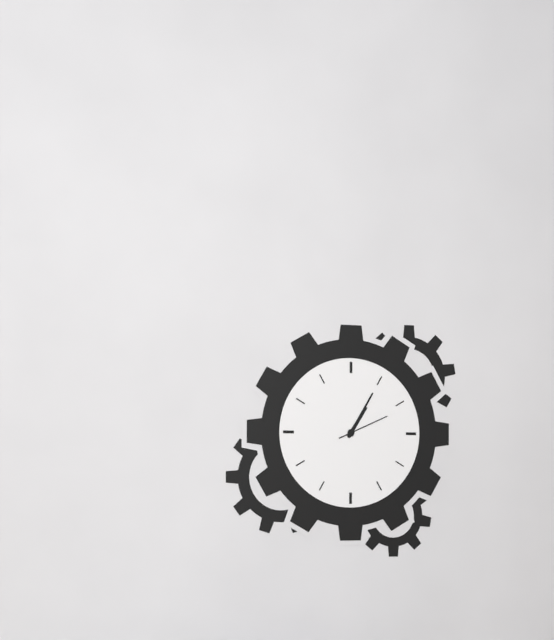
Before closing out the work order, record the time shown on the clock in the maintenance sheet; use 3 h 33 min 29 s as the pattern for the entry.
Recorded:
1 h 05 min 11 s
